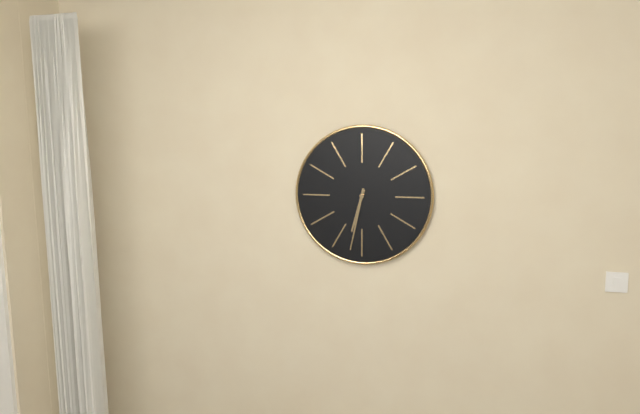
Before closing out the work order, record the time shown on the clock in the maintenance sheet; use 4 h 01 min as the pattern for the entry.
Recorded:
6 h 32 min
